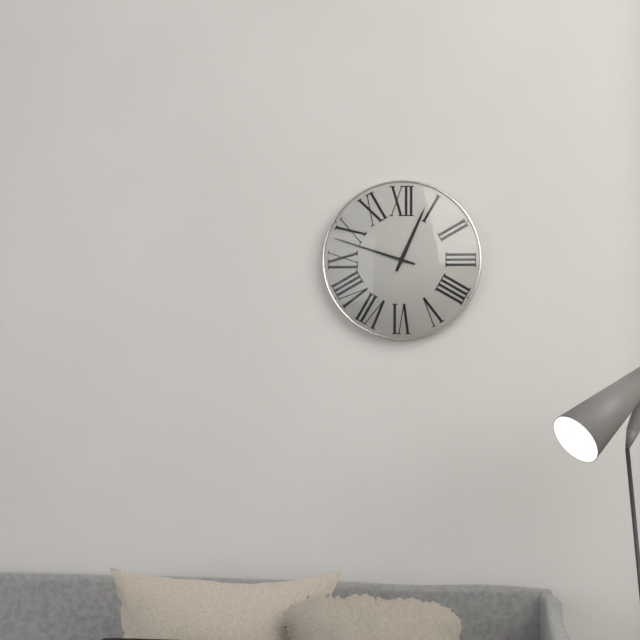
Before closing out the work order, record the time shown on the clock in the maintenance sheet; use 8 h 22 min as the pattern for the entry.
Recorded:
12 h 48 min
